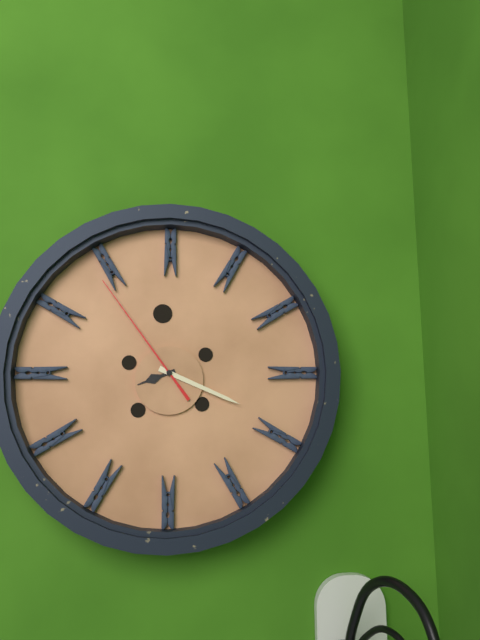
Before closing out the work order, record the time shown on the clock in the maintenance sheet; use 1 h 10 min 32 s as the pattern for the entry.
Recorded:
8 h 19 min 54 s
